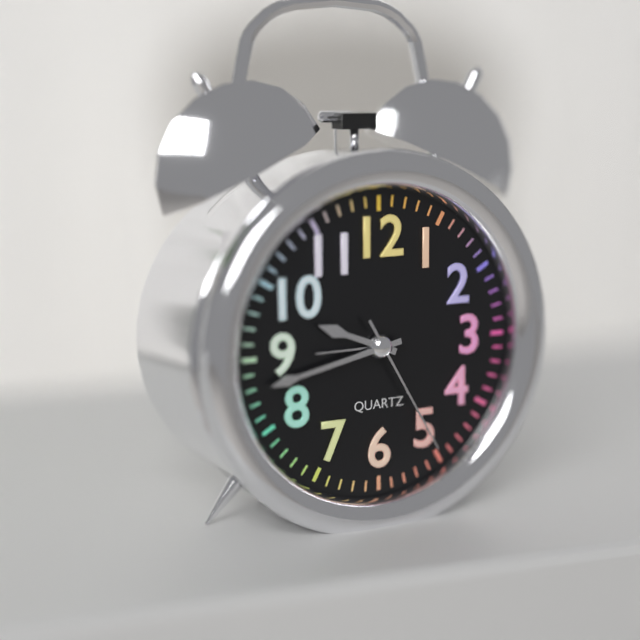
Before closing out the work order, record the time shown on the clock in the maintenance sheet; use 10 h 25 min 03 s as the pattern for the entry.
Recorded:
9 h 43 min 25 s
